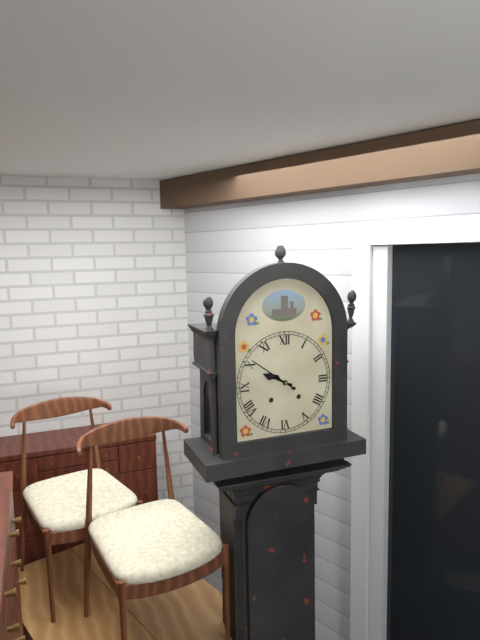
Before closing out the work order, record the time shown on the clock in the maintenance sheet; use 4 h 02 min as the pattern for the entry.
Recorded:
9 h 51 min
